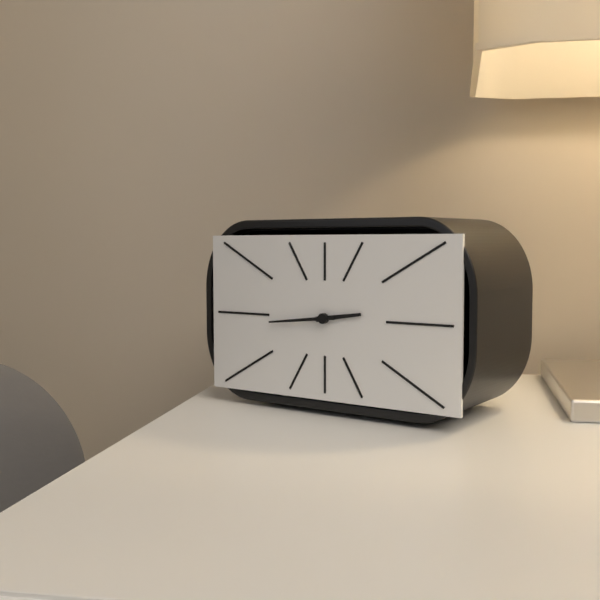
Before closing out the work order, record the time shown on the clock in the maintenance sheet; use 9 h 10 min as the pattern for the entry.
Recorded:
2 h 44 min
